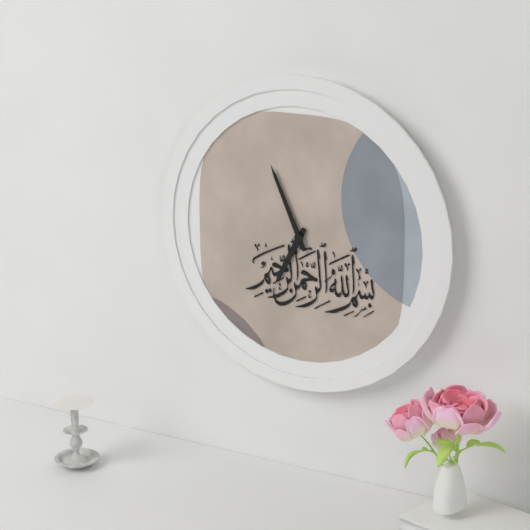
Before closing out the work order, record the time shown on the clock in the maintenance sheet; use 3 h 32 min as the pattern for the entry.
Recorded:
6 h 56 min
